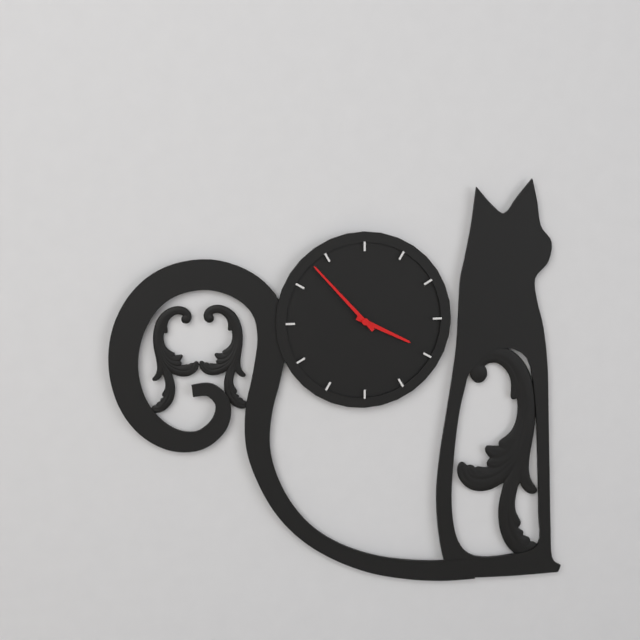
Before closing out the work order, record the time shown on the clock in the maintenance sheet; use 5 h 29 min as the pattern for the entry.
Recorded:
3 h 53 min
